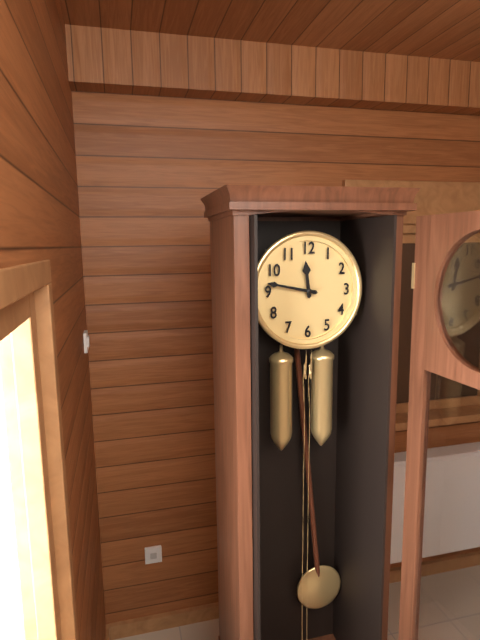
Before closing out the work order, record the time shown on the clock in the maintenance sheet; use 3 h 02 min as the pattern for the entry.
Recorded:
11 h 47 min
